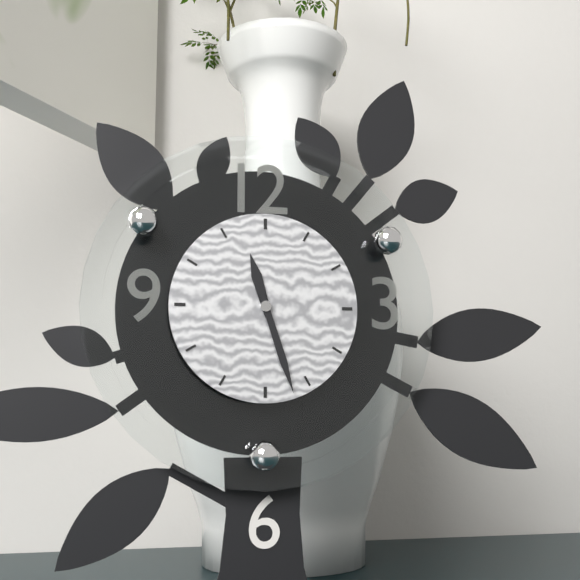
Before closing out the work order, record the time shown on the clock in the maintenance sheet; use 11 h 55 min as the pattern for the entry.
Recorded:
11 h 27 min
